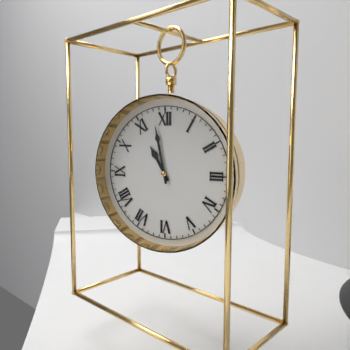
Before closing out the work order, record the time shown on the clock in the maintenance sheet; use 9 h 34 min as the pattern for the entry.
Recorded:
10 h 58 min
